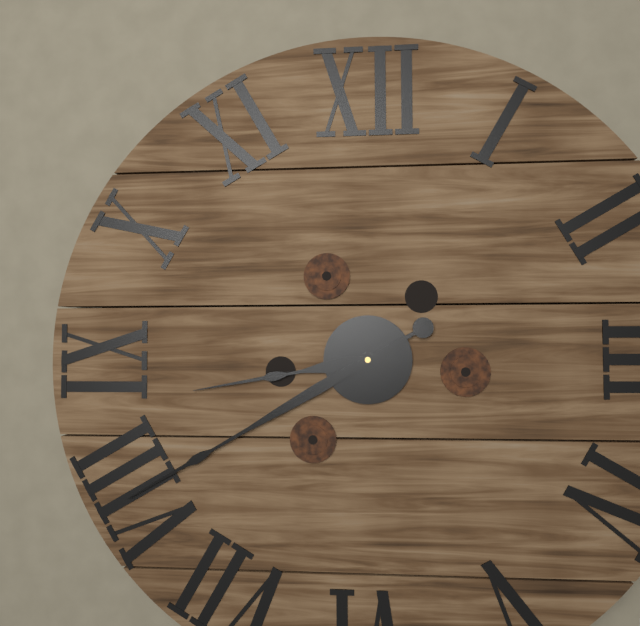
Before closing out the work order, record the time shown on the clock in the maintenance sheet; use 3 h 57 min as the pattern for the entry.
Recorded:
8 h 40 min
